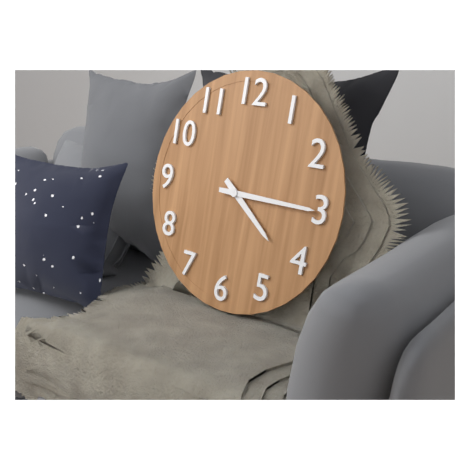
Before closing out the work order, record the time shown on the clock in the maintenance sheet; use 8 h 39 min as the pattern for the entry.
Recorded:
4 h 15 min
